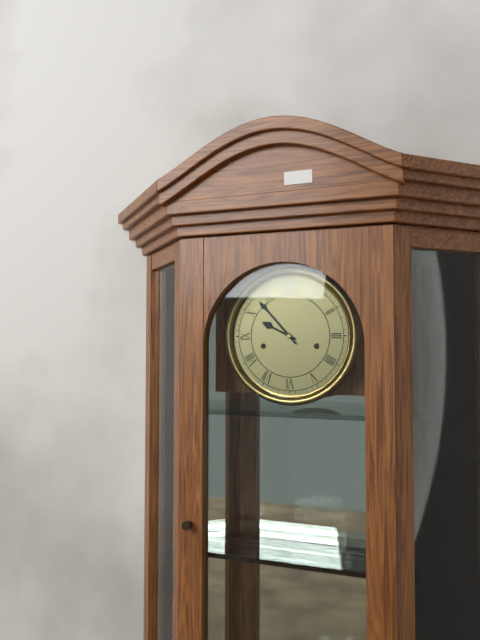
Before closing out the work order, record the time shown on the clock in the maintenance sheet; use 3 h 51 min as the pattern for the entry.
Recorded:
9 h 53 min
